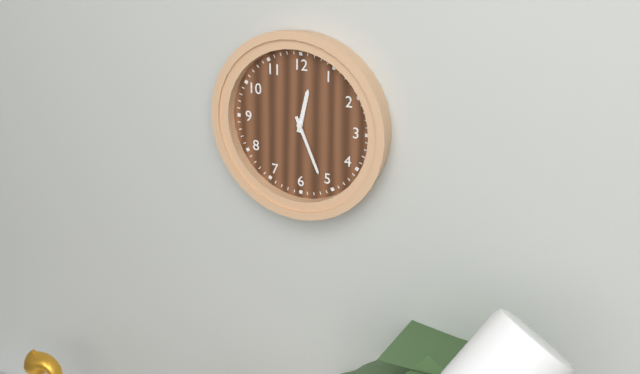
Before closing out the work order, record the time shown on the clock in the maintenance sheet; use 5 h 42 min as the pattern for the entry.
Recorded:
12 h 26 min
